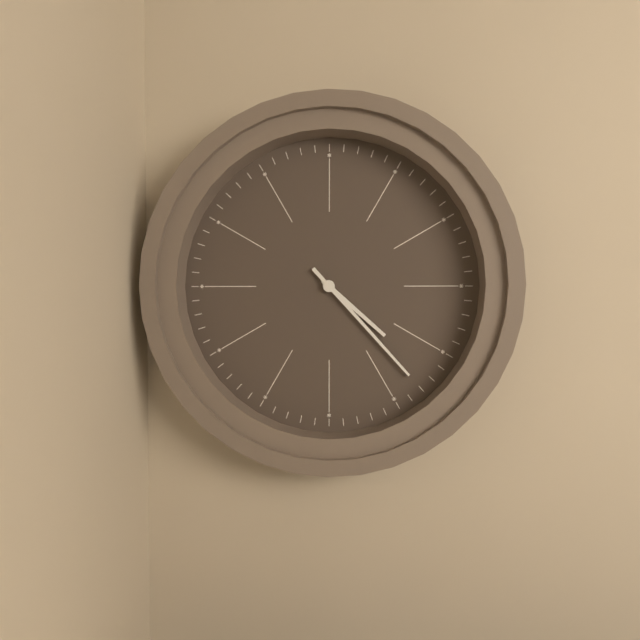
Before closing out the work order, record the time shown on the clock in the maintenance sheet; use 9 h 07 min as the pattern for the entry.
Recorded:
4 h 23 min
